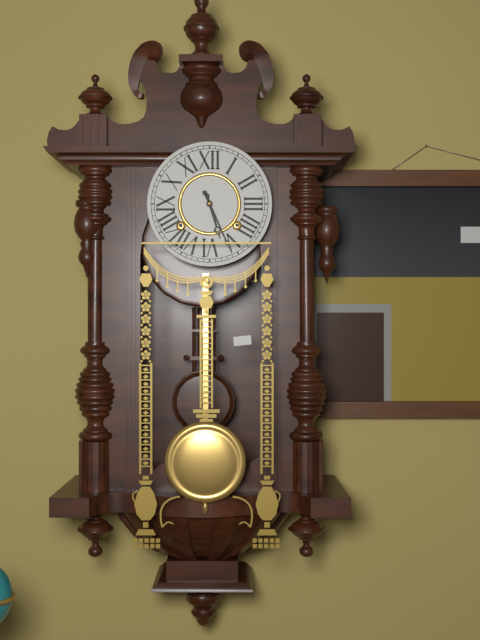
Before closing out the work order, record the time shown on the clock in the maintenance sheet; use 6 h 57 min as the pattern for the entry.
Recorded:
5 h 26 min
